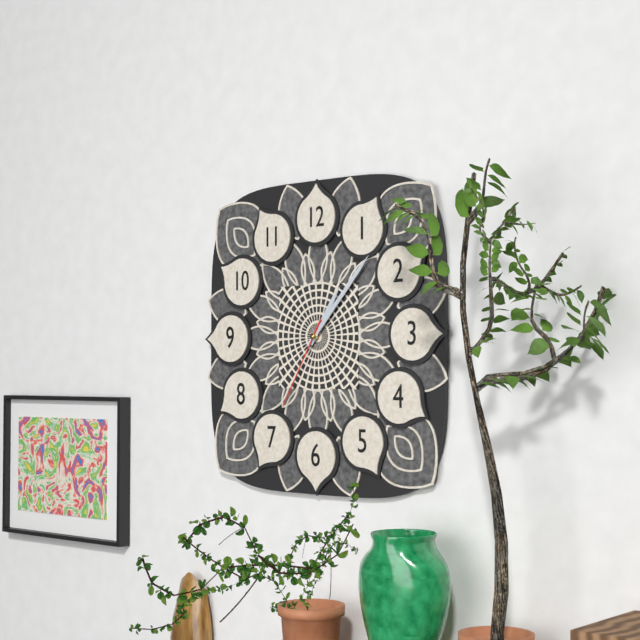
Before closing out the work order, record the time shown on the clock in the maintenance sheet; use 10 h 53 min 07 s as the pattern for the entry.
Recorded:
1 h 07 min 35 s
